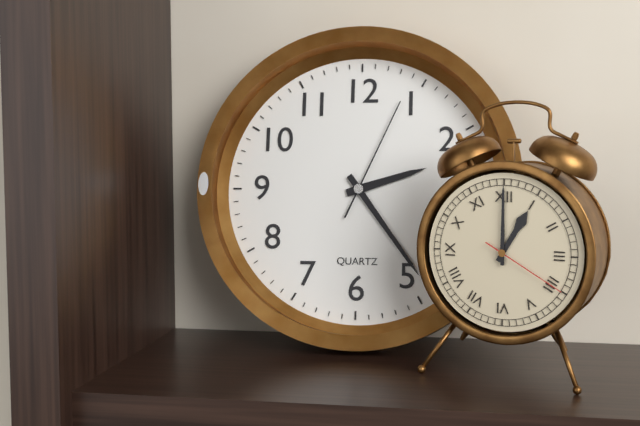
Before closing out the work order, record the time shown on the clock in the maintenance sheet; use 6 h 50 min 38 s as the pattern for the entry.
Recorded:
2 h 24 min 04 s
